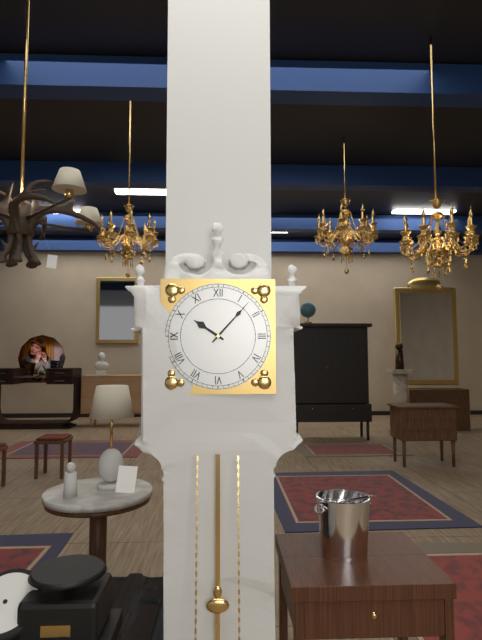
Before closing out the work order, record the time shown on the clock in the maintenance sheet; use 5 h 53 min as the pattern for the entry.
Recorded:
10 h 07 min
